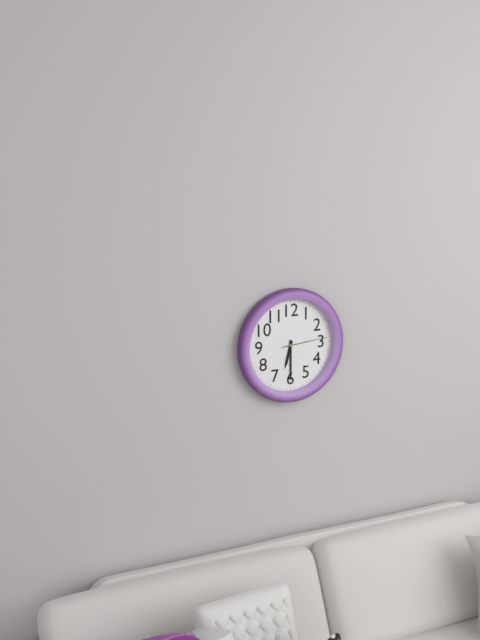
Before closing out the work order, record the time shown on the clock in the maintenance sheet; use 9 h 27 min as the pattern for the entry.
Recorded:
6 h 30 min
